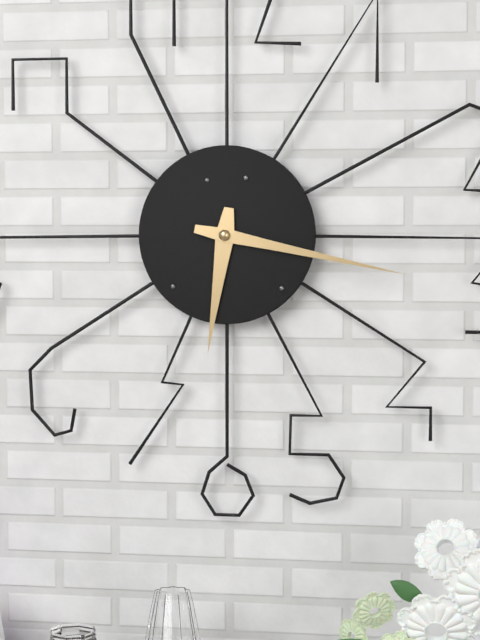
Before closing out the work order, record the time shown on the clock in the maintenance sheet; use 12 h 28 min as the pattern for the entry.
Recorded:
6 h 17 min
